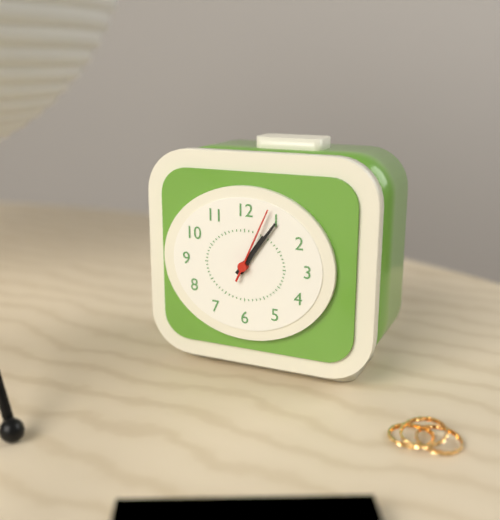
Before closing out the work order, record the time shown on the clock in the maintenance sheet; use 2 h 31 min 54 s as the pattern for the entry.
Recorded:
1 h 06 min 04 s
